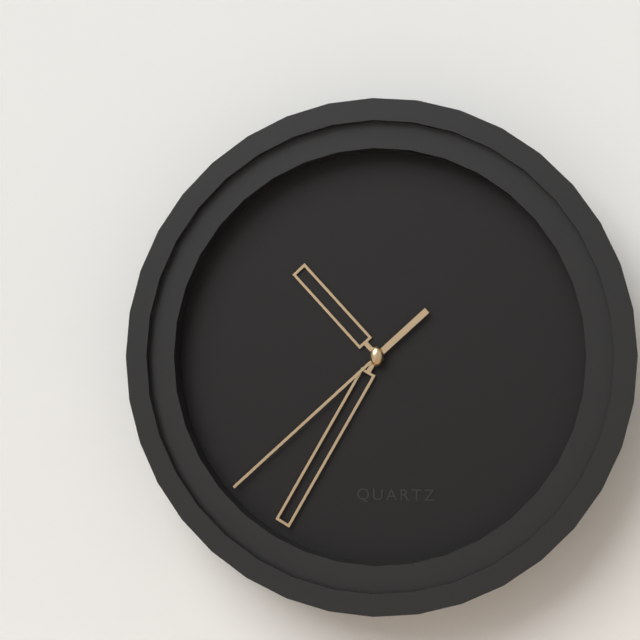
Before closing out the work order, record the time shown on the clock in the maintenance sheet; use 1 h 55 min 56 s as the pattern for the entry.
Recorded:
10 h 35 min 38 s
